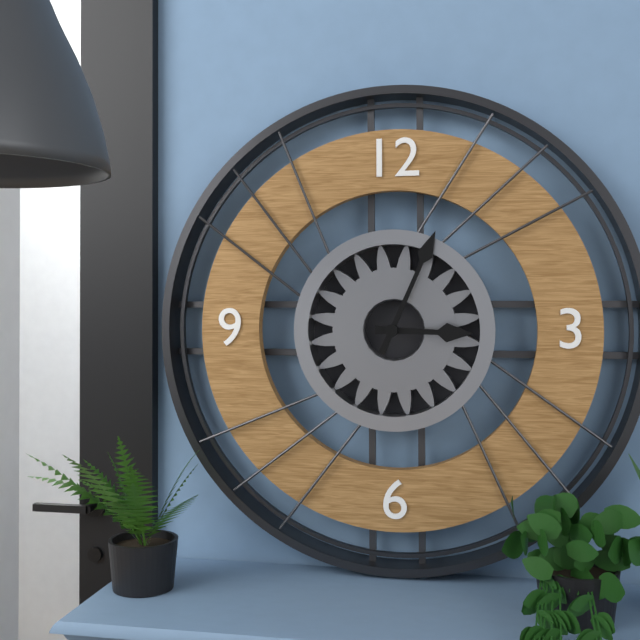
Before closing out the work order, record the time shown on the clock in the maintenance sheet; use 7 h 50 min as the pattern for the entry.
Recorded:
3 h 04 min
